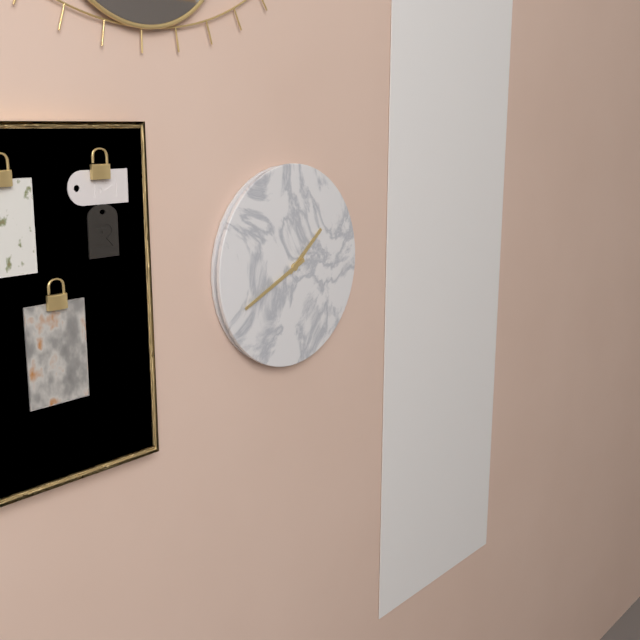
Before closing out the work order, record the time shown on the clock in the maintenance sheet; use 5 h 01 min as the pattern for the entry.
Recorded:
1 h 41 min
